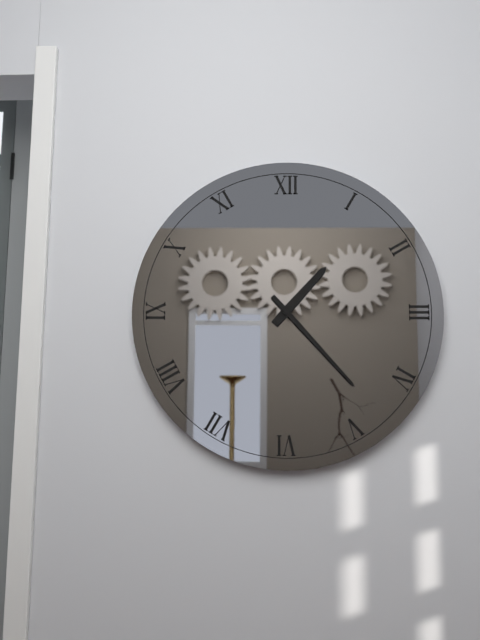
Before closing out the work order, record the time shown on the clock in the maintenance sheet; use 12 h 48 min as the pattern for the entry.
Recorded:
1 h 23 min
